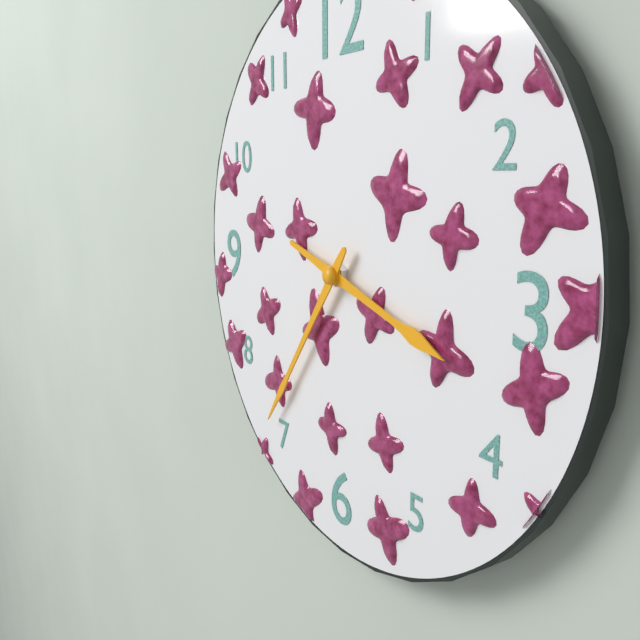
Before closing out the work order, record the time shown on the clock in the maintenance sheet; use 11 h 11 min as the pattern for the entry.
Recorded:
3 h 36 min
